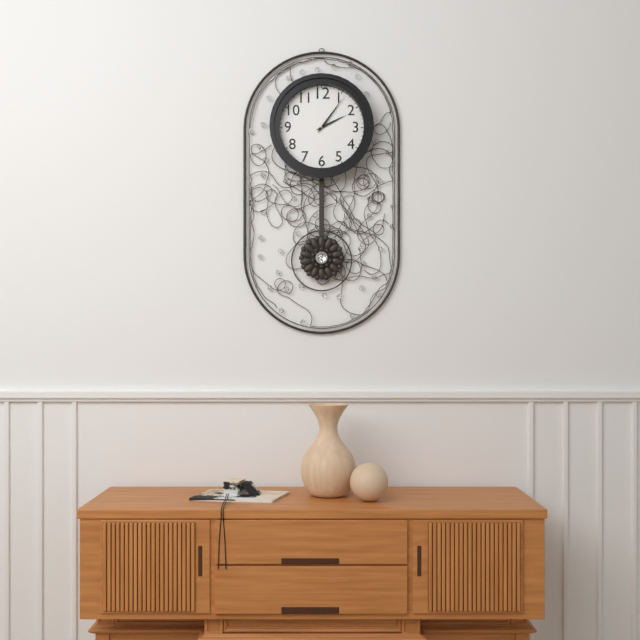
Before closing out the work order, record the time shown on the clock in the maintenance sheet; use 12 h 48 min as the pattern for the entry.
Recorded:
2 h 06 min
